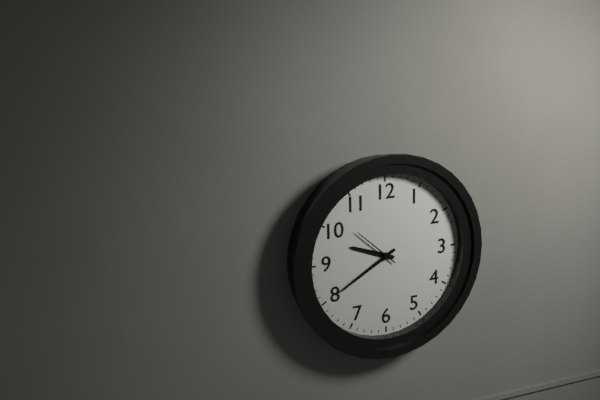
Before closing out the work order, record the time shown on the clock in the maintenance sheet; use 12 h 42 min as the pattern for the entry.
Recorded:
9 h 40 min
